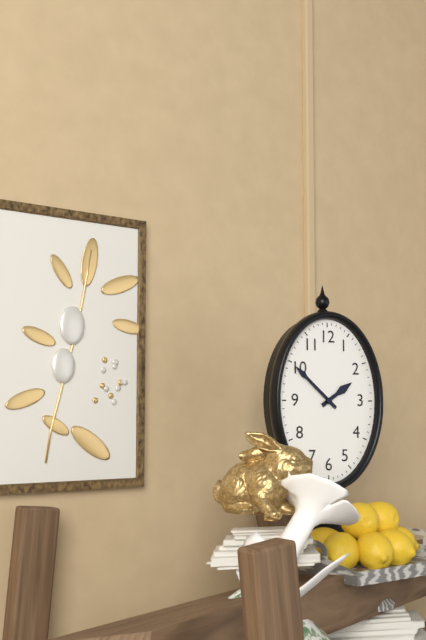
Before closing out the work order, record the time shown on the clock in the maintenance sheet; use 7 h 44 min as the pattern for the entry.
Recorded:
1 h 52 min
